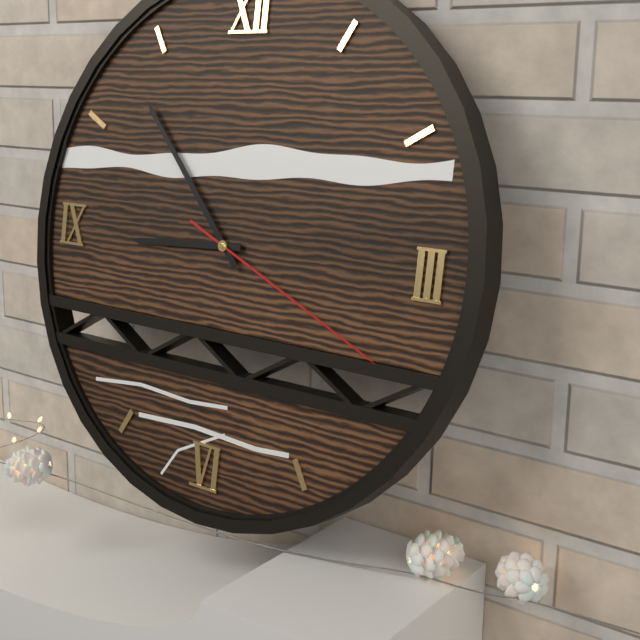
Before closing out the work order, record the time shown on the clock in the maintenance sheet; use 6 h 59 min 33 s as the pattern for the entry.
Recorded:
8 h 53 min 19 s
